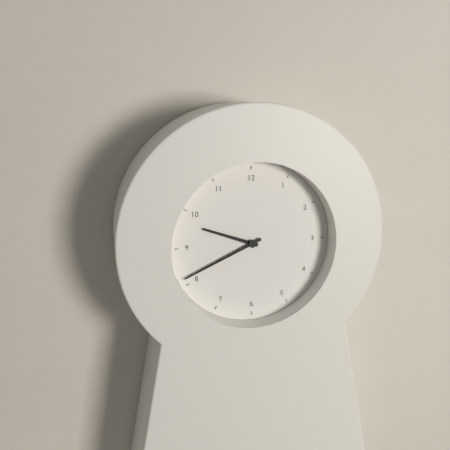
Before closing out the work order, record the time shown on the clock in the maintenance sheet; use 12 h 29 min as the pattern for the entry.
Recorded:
9 h 41 min
